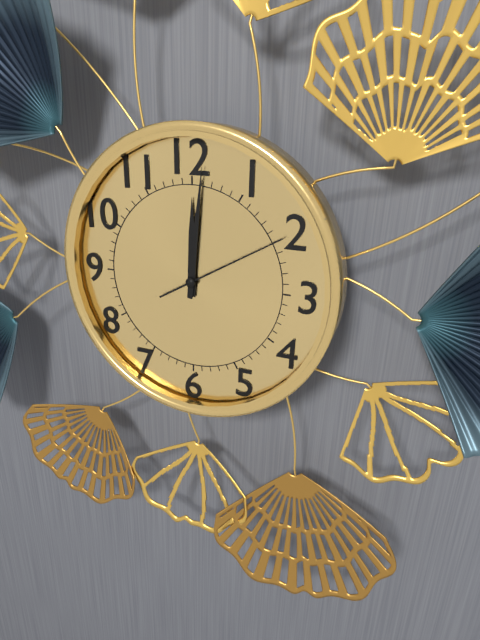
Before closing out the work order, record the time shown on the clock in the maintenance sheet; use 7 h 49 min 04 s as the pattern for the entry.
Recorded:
12 h 01 min 10 s
